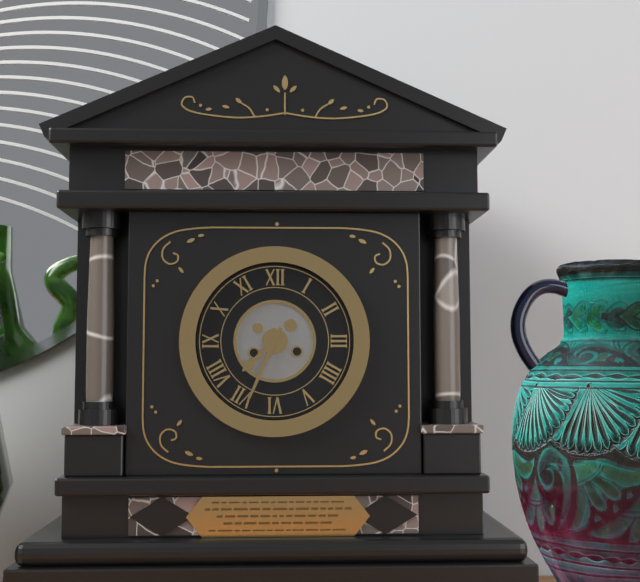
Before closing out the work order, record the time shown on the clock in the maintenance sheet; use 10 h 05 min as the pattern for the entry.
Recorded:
7 h 34 min
